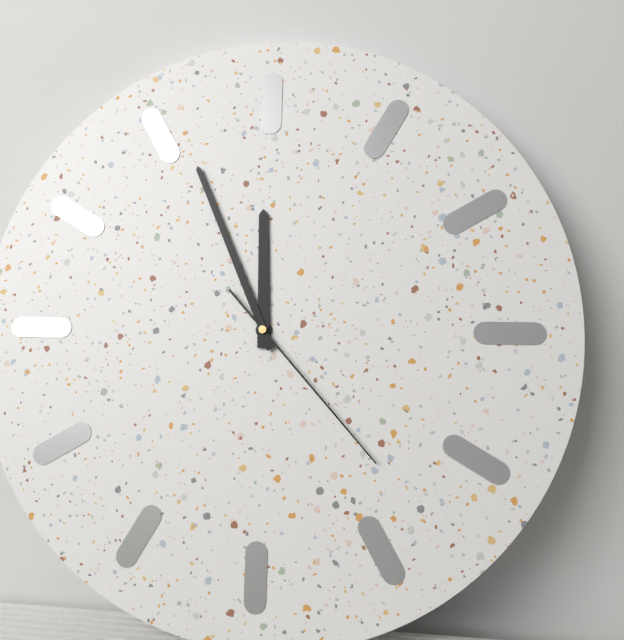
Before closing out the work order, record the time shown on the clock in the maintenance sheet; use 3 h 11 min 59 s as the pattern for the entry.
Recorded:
11 h 56 min 23 s
